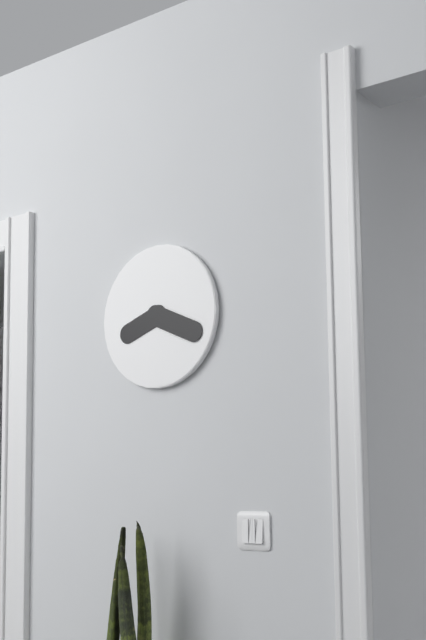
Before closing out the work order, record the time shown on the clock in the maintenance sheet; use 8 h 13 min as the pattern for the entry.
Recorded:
8 h 19 min
